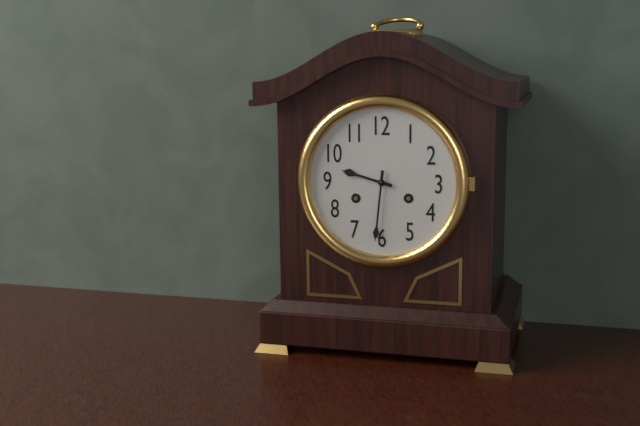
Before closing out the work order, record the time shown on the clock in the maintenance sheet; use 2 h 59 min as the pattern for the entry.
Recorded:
9 h 31 min
